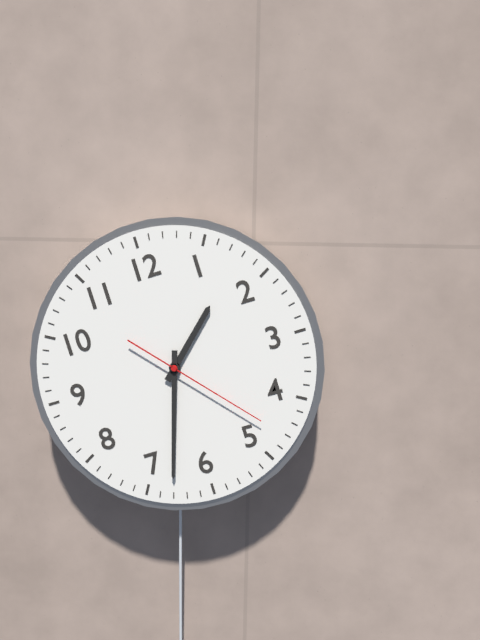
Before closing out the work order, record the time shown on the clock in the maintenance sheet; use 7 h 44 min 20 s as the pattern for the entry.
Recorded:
1 h 33 min 23 s
